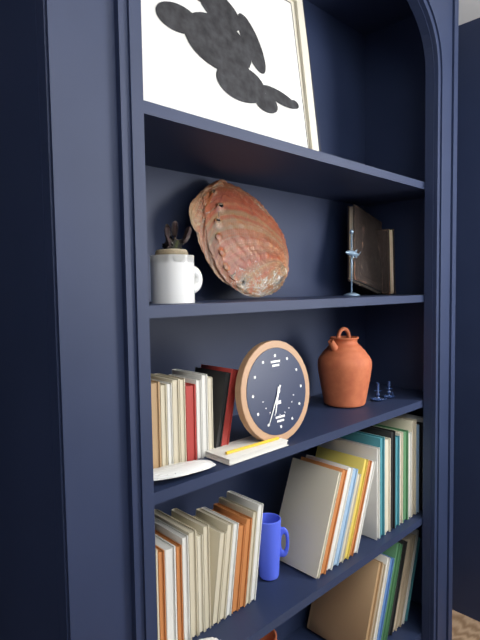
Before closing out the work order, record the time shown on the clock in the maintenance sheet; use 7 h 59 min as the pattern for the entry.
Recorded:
6 h 35 min
